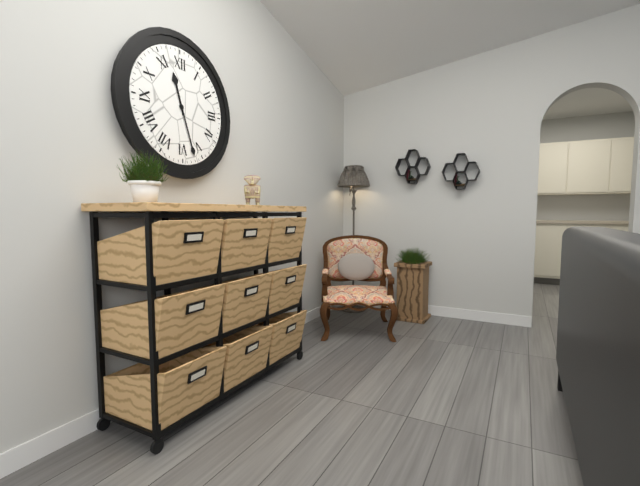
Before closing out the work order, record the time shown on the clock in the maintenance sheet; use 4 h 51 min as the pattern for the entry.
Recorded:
11 h 27 min
